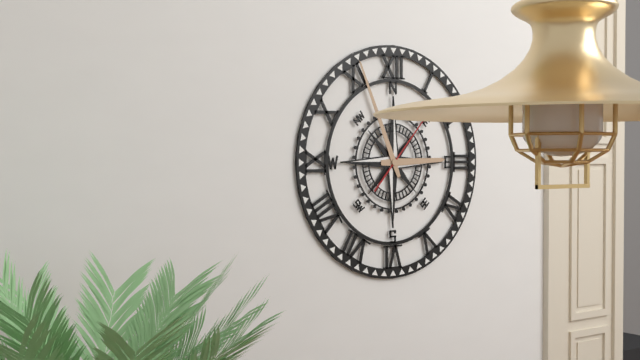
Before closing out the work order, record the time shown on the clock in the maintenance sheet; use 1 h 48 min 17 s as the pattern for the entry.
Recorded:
2 h 56 min 07 s
